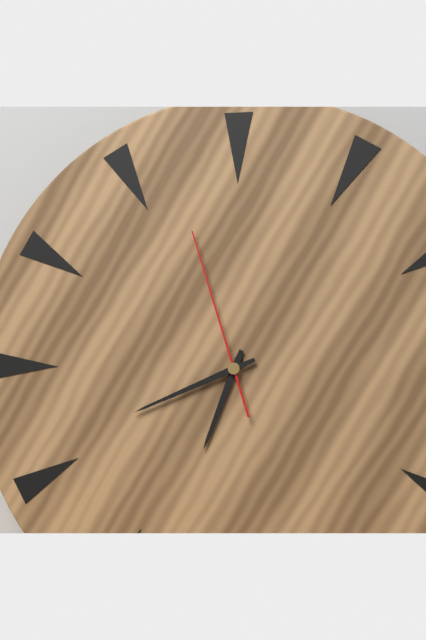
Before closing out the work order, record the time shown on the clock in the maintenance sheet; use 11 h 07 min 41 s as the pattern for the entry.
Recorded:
6 h 41 min 57 s
